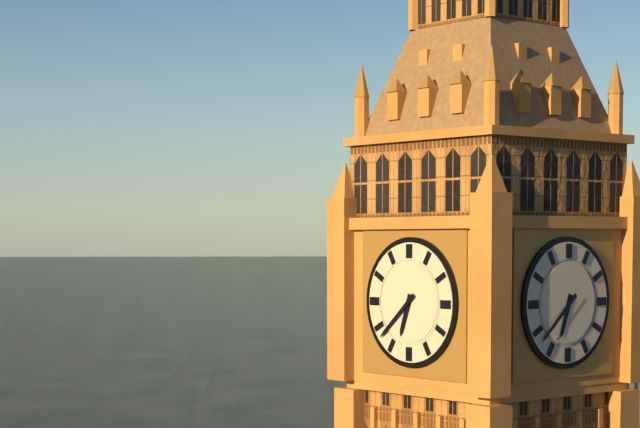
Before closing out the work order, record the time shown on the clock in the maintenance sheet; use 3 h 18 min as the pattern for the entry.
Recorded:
6 h 38 min
